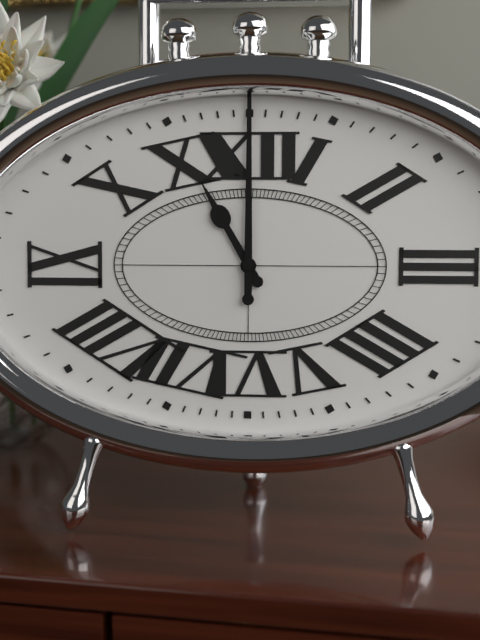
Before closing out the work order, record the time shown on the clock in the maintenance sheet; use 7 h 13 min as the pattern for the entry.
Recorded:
11 h 00 min
